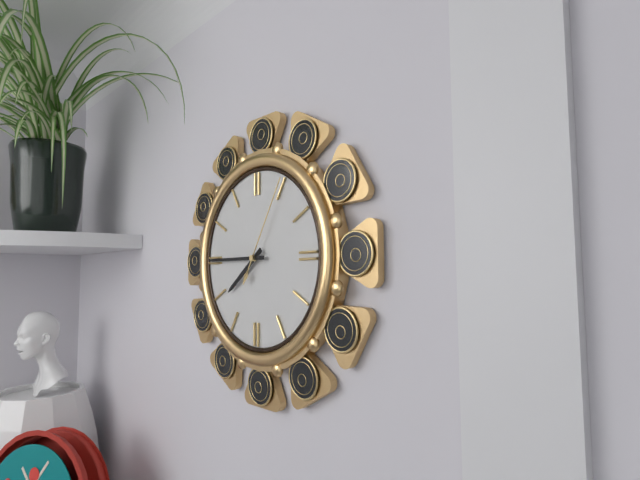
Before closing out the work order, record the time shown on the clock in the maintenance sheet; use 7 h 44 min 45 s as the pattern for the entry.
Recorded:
7 h 45 min 05 s
